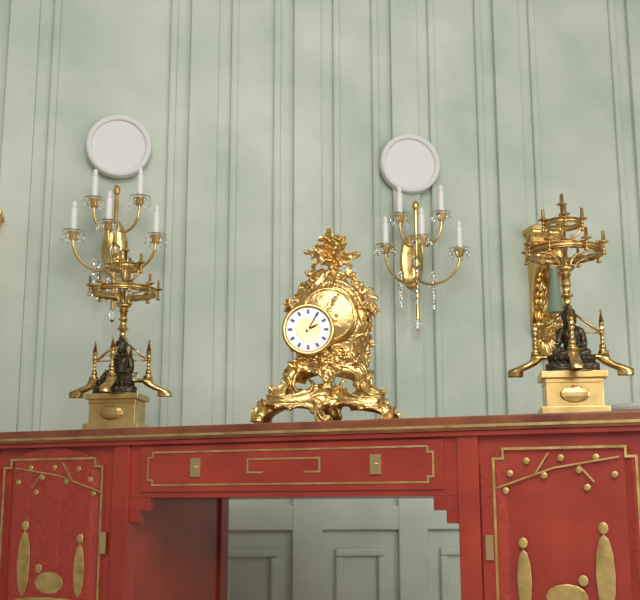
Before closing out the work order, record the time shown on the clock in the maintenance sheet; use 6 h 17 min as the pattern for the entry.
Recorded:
2 h 05 min
